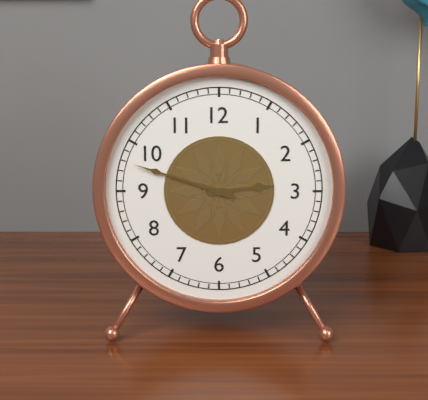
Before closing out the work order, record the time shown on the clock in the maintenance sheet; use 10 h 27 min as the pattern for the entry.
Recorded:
2 h 48 min
